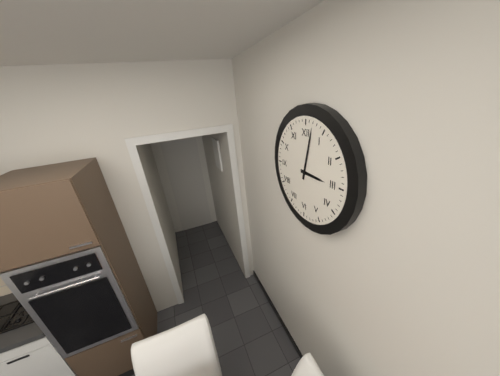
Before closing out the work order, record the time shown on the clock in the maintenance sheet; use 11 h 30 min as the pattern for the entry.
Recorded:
3 h 02 min
